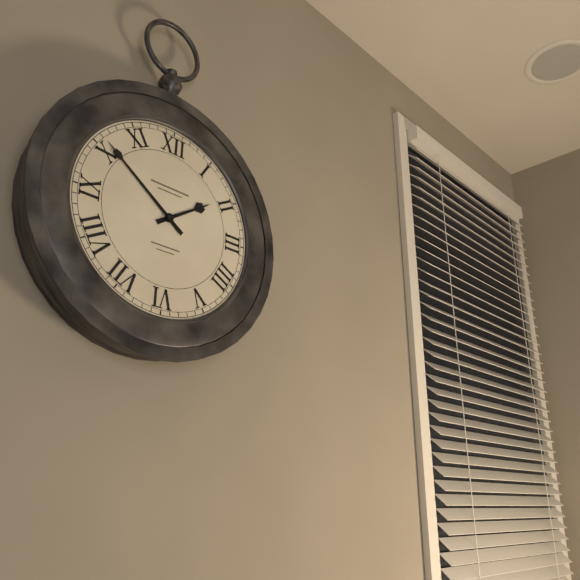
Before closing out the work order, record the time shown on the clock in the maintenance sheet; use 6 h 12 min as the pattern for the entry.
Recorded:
1 h 51 min
